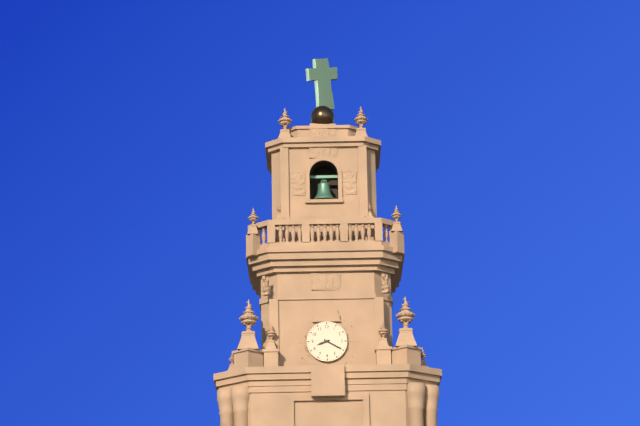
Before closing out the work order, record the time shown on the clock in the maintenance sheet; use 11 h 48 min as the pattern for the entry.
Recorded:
8 h 20 min
